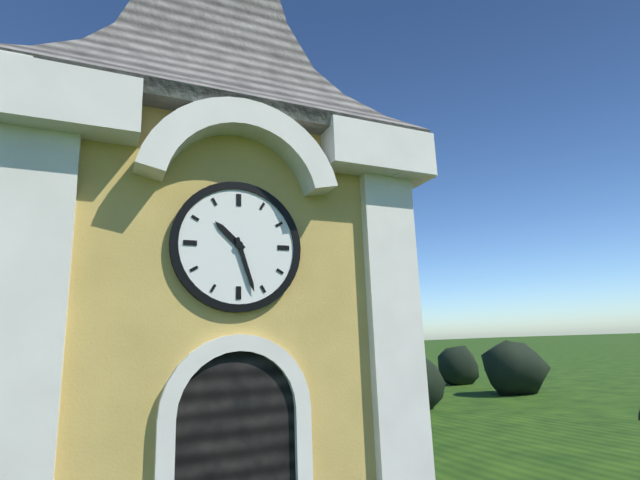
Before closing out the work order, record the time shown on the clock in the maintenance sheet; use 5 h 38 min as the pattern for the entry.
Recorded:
10 h 27 min
